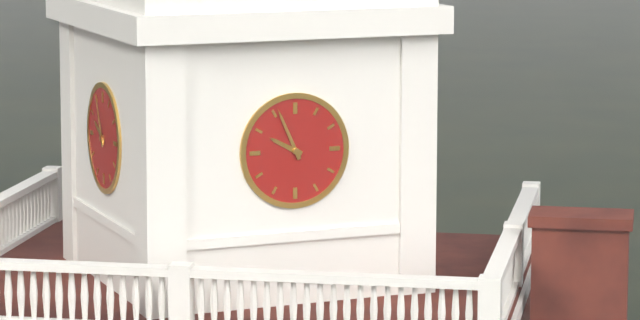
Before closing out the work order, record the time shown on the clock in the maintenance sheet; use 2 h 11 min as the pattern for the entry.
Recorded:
9 h 56 min
